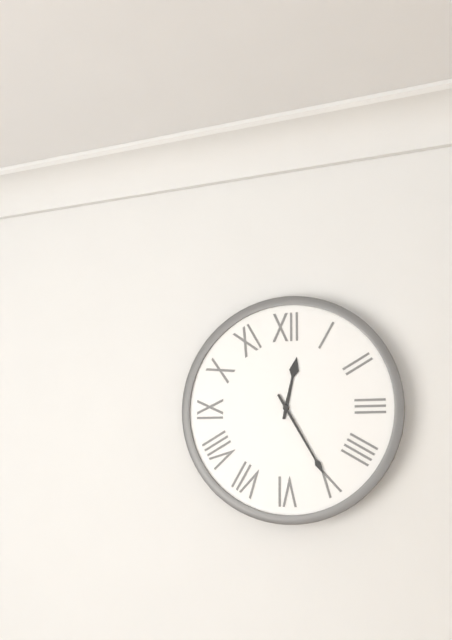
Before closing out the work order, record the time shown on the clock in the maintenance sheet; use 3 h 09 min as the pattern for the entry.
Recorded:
12 h 25 min
